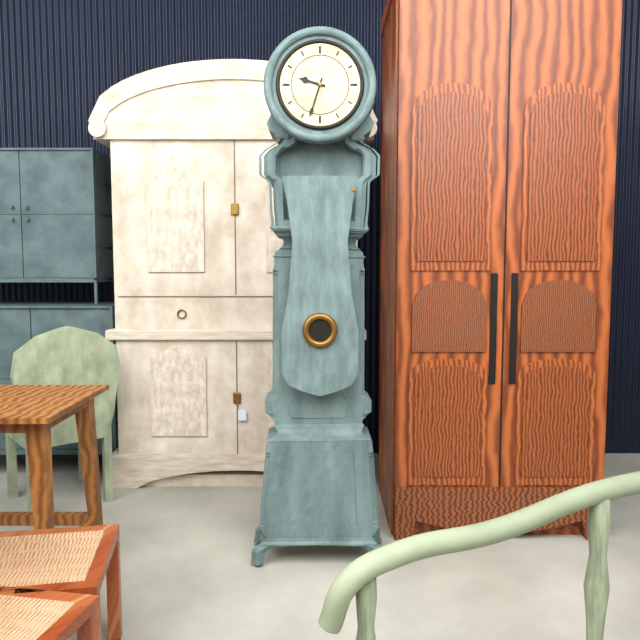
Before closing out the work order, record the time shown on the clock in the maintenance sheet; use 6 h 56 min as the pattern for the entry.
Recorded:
9 h 33 min
